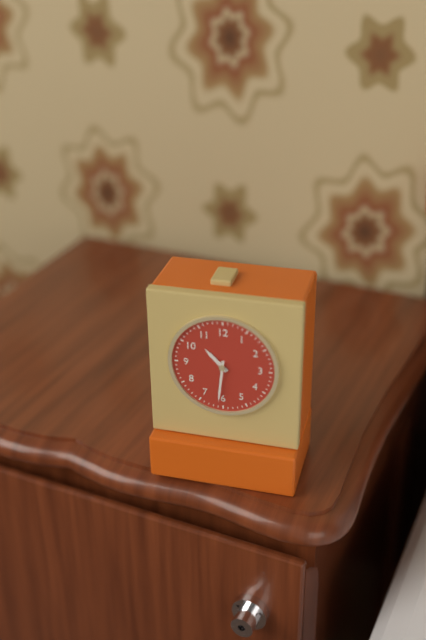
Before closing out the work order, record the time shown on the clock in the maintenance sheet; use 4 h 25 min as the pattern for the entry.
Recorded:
10 h 31 min
